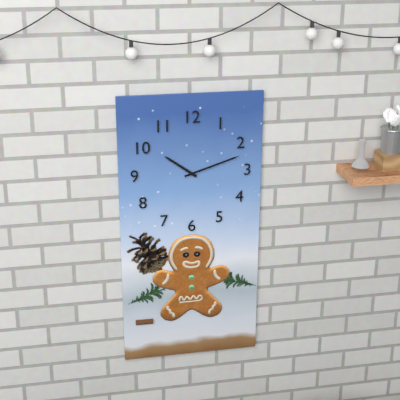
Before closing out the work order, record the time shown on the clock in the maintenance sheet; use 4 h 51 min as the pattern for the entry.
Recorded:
10 h 12 min
